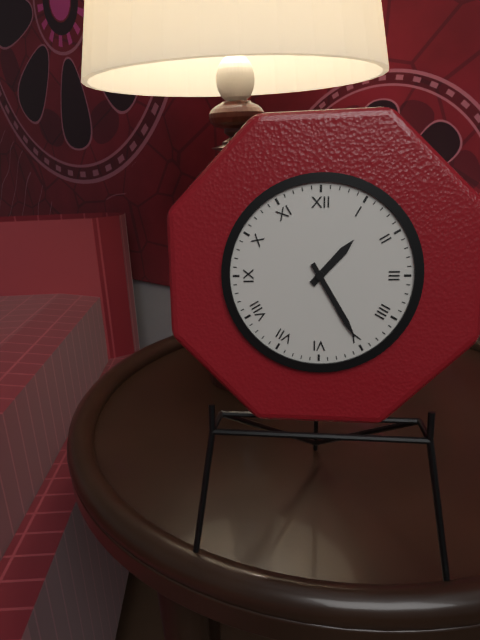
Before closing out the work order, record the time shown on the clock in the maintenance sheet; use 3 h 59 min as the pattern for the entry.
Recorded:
1 h 25 min
